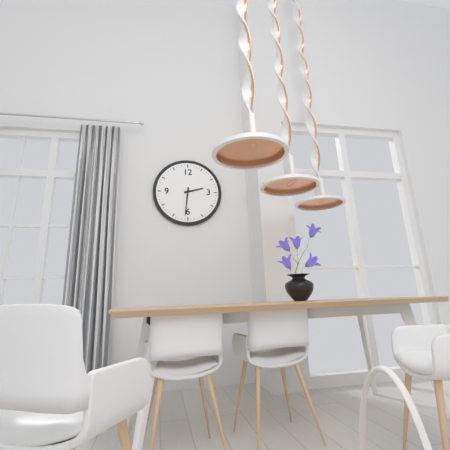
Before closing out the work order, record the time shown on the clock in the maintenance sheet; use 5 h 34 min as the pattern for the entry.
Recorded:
2 h 31 min
